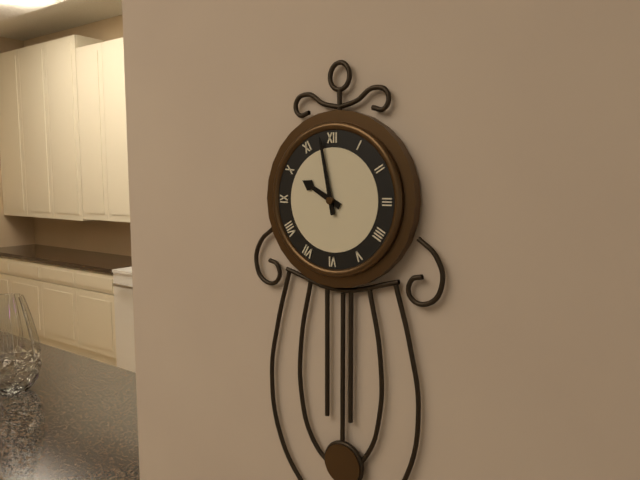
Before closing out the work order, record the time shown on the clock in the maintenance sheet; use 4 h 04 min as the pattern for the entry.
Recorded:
9 h 58 min
